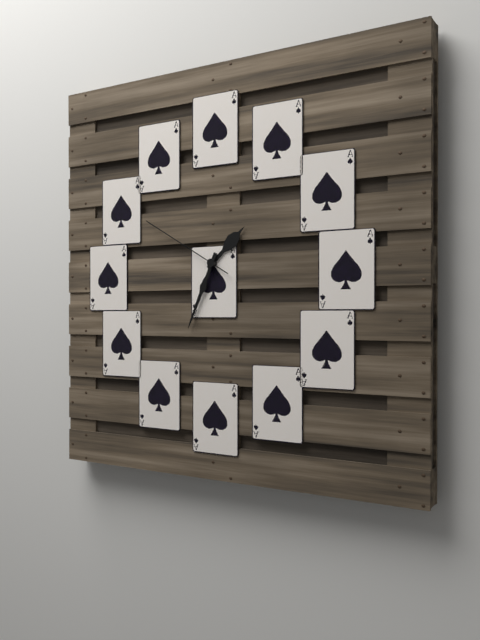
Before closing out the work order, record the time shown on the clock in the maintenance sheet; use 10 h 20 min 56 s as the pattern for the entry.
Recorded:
1 h 34 min 50 s
